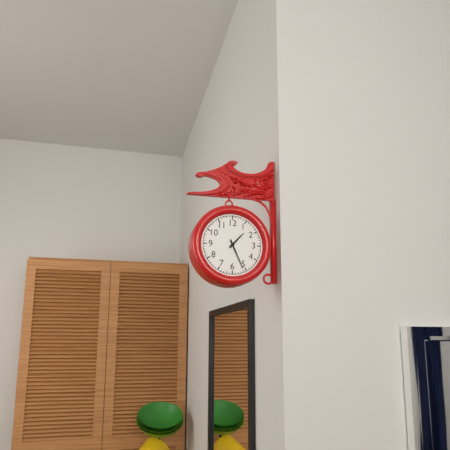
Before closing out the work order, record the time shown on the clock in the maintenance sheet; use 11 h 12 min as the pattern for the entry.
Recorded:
1 h 26 min
